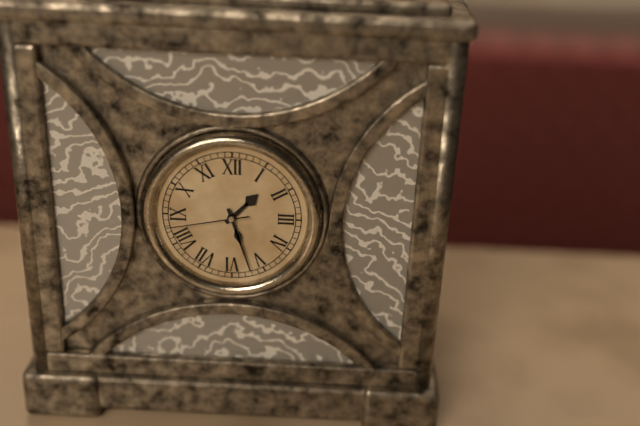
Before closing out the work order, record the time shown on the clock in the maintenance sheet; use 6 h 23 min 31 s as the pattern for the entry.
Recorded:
1 h 27 min 43 s
